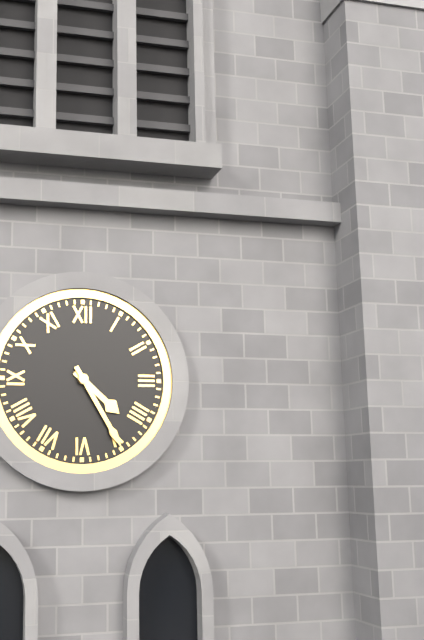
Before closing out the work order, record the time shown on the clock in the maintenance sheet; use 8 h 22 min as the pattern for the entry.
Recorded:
4 h 25 min
